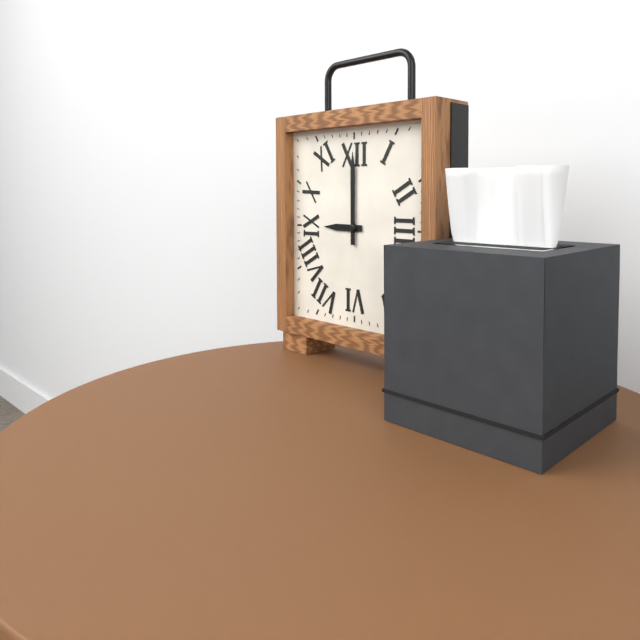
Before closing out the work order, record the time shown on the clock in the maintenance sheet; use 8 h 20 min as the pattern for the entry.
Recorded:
9 h 00 min
